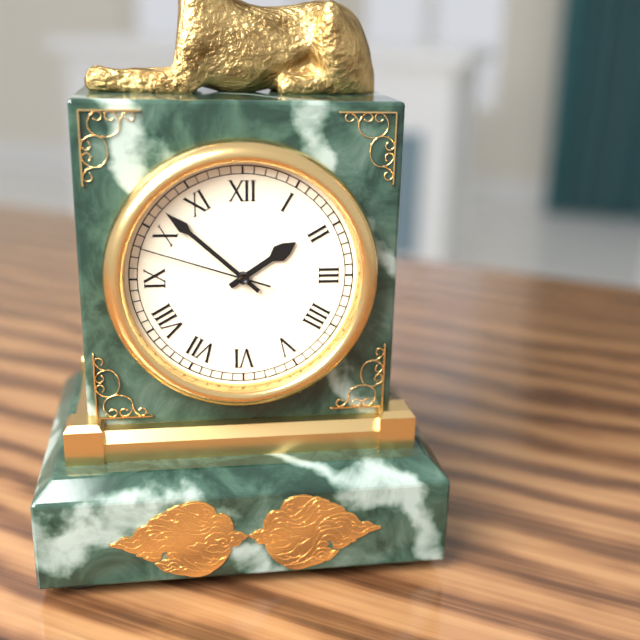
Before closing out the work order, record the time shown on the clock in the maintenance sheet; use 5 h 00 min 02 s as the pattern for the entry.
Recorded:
1 h 52 min 48 s
